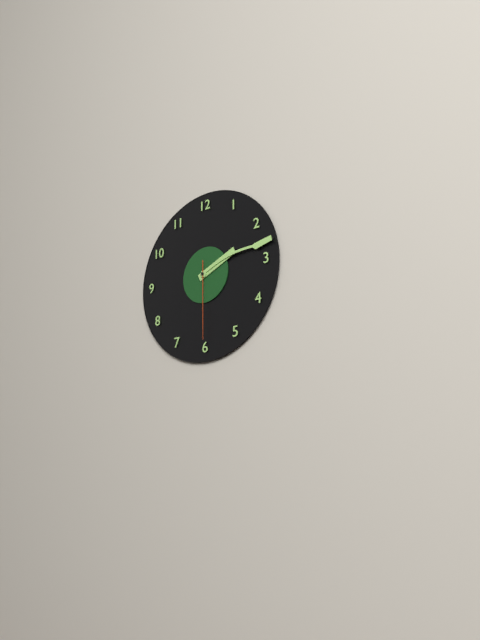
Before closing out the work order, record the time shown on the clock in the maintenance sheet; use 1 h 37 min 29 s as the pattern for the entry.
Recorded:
2 h 13 min 30 s
